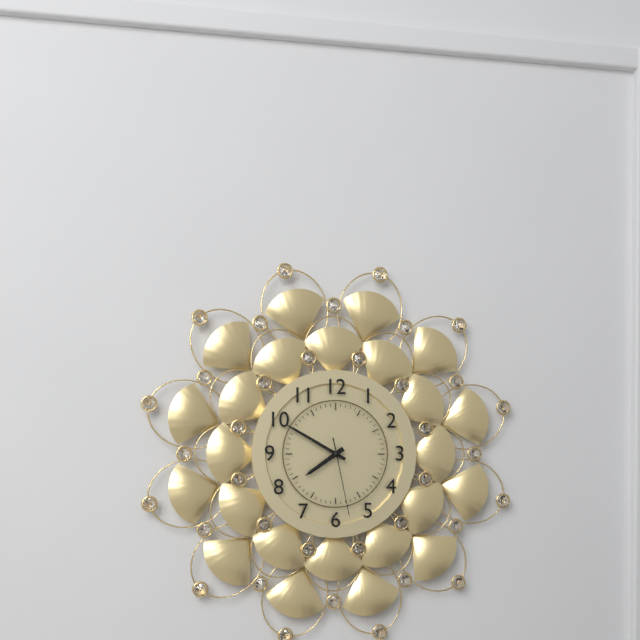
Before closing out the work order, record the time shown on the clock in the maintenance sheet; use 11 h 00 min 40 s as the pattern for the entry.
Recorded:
7 h 50 min 28 s
